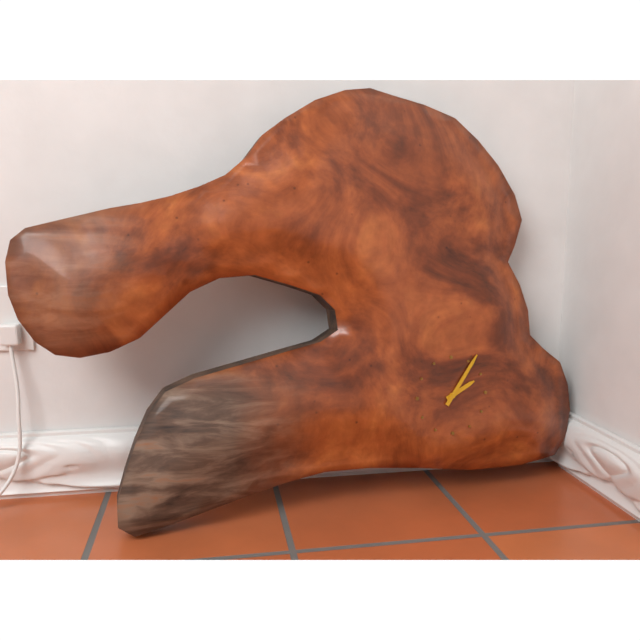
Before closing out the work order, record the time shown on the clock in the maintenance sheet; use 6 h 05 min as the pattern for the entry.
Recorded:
2 h 06 min
